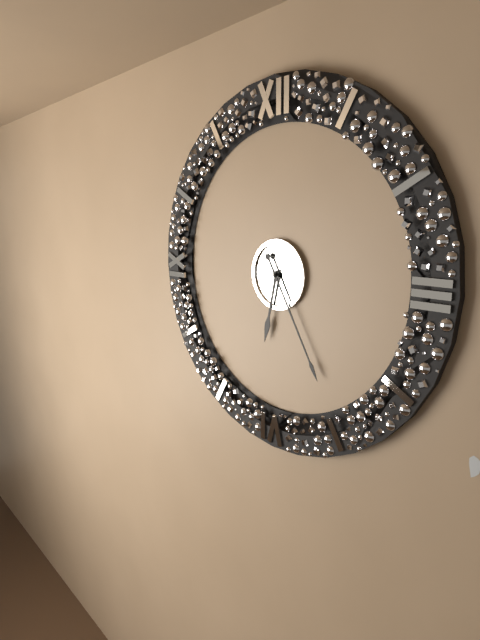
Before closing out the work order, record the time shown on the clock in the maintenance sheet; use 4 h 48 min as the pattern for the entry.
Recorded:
6 h 25 min
